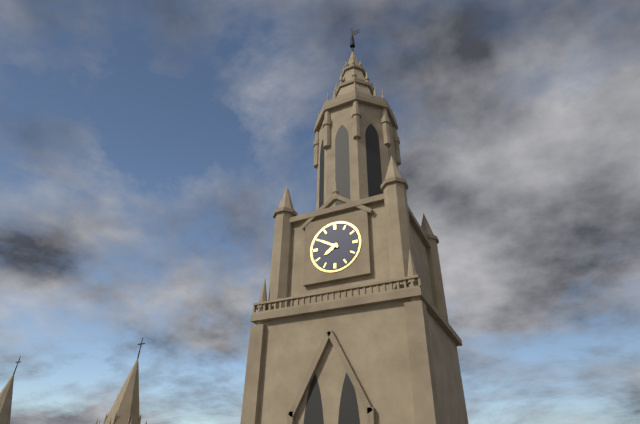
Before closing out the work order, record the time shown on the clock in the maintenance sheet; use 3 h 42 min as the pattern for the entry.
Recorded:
7 h 50 min
